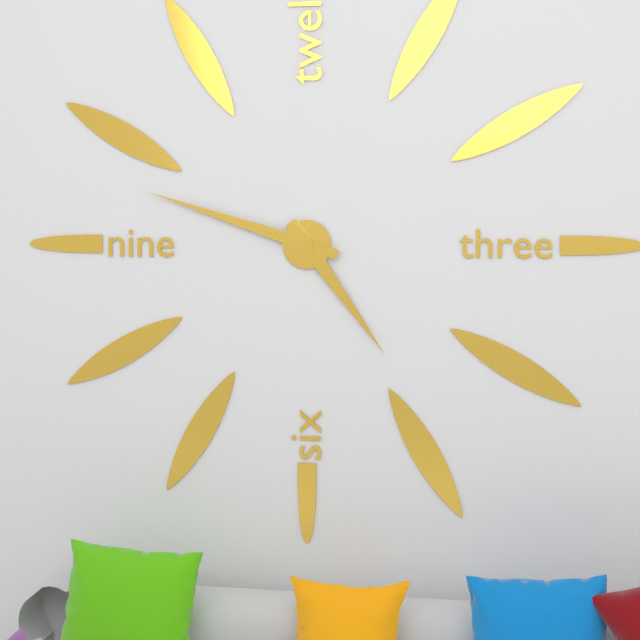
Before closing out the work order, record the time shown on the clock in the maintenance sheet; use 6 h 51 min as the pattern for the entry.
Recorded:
4 h 48 min
